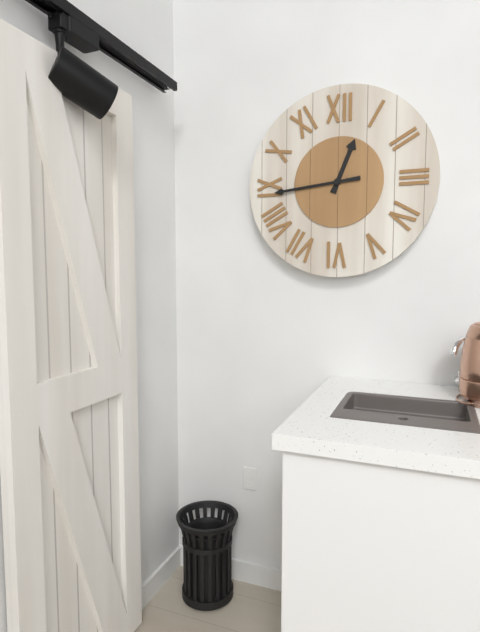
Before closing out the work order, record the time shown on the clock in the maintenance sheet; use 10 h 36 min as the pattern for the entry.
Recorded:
12 h 44 min
